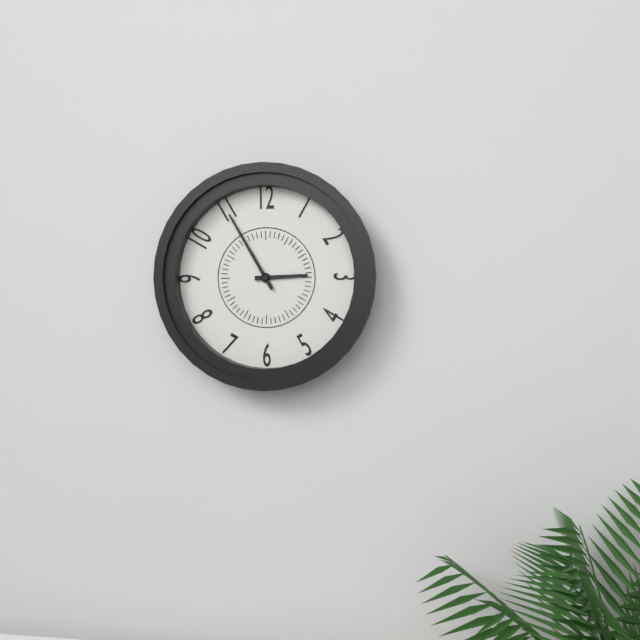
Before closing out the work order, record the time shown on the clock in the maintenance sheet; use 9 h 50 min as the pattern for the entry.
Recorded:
2 h 55 min
